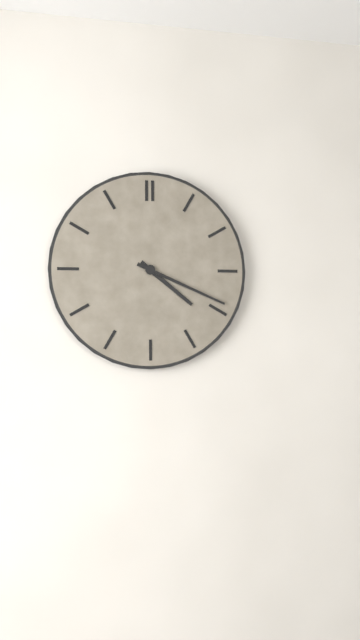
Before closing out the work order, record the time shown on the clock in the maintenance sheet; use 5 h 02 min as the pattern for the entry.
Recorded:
4 h 19 min
